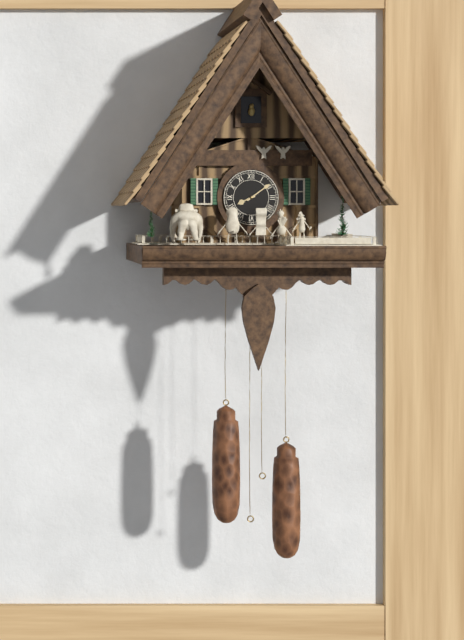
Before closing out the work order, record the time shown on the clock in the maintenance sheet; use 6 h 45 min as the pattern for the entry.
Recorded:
8 h 09 min
